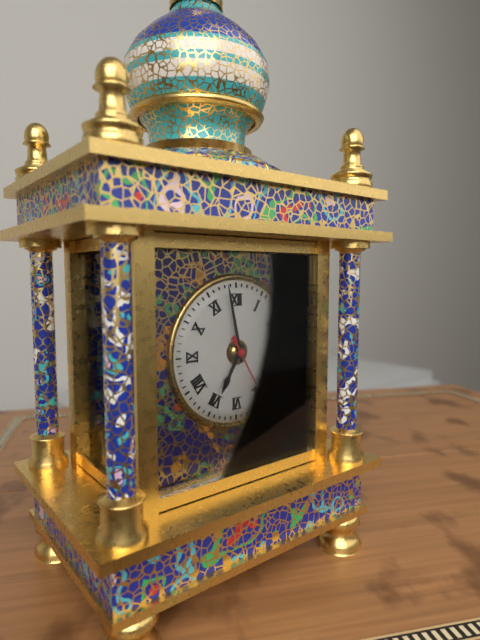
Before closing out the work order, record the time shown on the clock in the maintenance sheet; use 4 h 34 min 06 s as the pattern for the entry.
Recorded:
6 h 58 min 25 s
